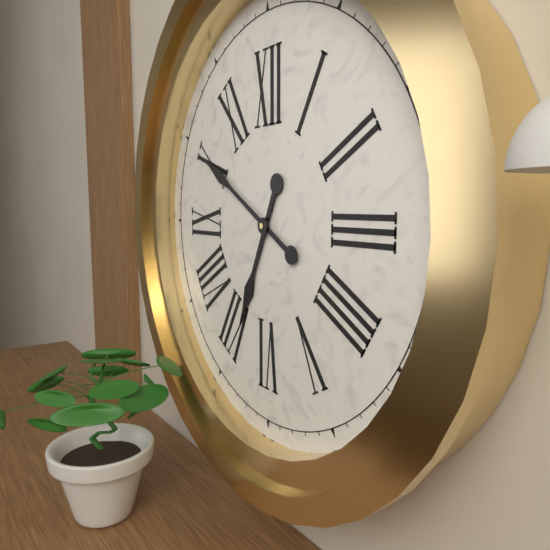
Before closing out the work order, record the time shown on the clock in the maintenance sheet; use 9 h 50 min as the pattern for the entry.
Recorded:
6 h 50 min
